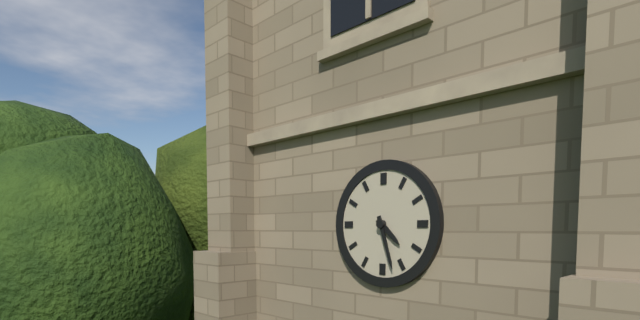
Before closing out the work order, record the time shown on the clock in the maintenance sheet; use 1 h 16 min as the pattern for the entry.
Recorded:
4 h 27 min
